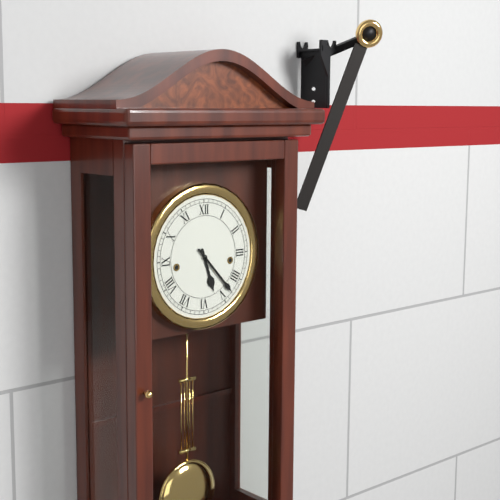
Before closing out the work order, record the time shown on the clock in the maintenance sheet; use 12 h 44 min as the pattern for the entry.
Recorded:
5 h 23 min
